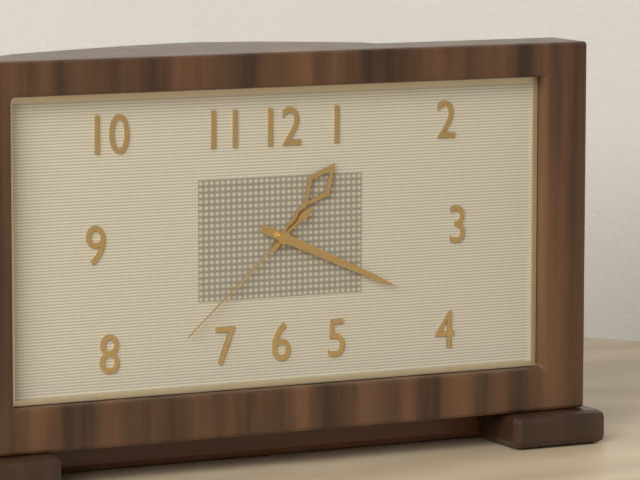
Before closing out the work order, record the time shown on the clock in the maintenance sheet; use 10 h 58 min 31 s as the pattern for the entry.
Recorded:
1 h 19 min 38 s
